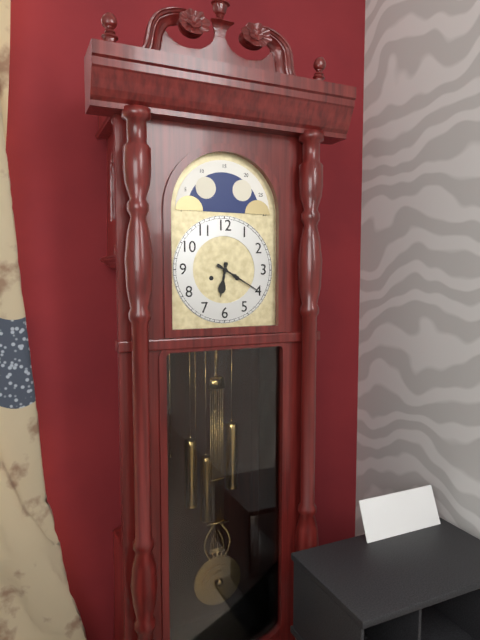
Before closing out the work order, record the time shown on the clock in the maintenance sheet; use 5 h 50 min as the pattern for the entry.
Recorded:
6 h 20 min
